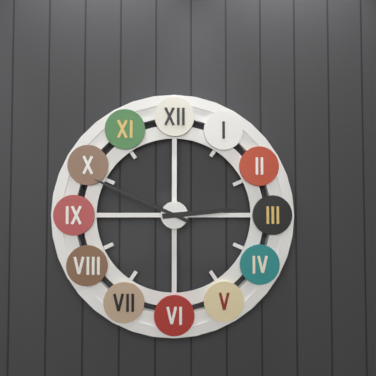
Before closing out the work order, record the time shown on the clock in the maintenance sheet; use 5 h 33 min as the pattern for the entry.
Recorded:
2 h 49 min
